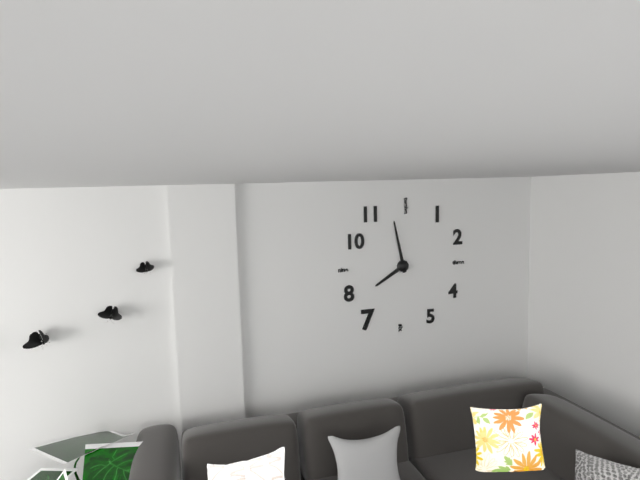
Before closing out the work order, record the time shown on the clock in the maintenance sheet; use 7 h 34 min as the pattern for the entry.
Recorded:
7 h 58 min
